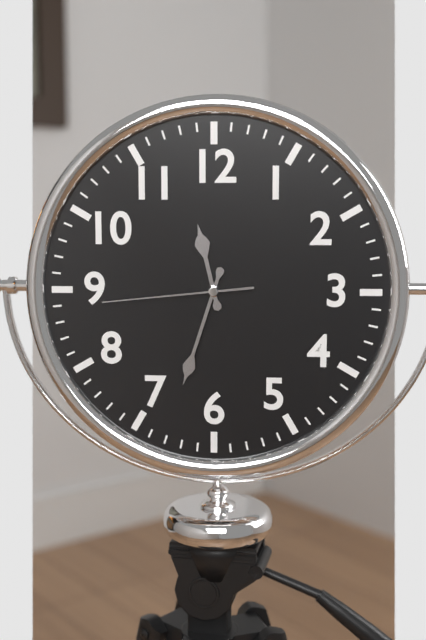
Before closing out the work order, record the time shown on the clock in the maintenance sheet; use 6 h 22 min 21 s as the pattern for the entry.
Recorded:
11 h 33 min 44 s
